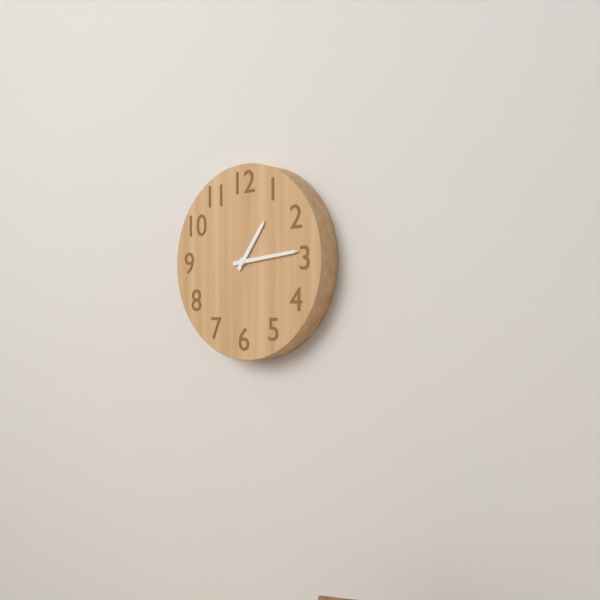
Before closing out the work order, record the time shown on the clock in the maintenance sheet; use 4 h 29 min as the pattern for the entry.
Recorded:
1 h 14 min
